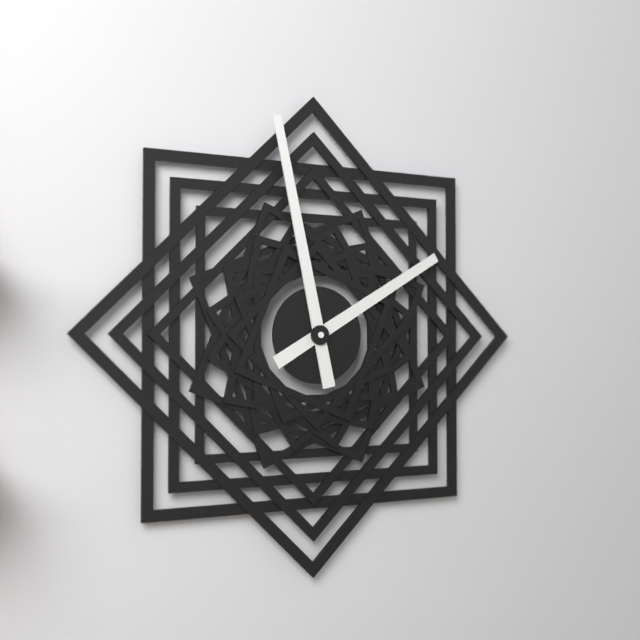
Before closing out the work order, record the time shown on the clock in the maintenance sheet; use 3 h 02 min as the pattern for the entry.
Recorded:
1 h 58 min
